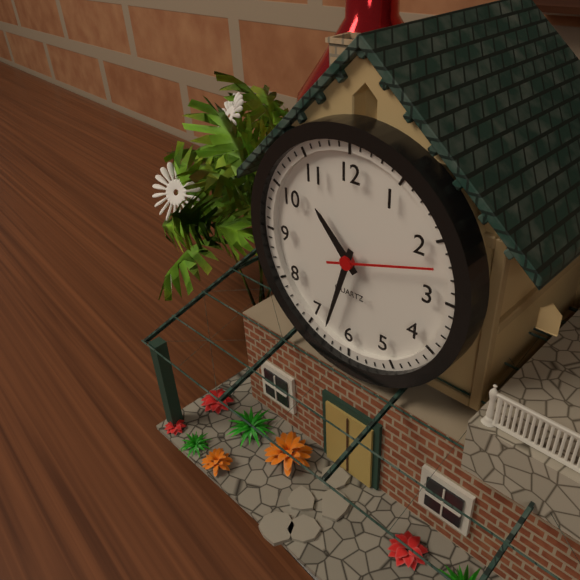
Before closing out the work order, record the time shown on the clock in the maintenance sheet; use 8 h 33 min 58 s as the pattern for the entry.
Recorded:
10 h 33 min 12 s
